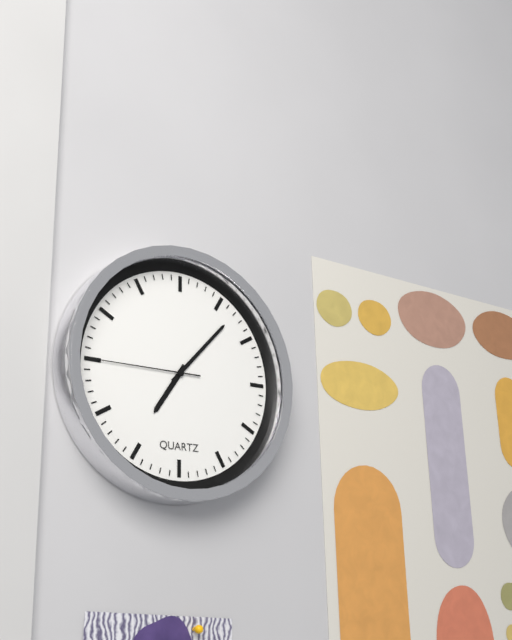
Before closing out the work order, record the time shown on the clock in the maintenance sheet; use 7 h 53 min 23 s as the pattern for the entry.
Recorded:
7 h 07 min 45 s
